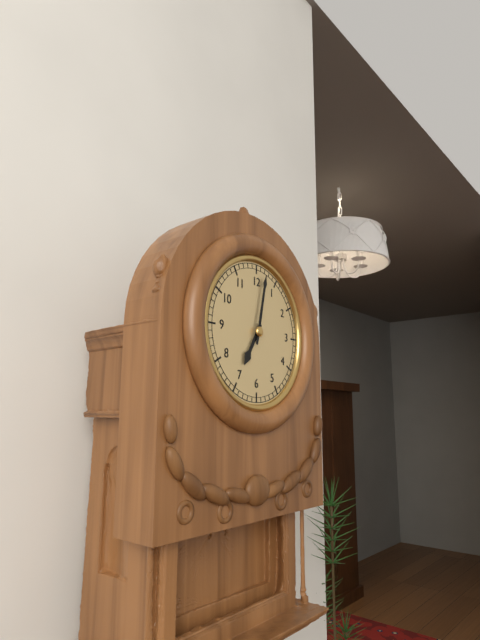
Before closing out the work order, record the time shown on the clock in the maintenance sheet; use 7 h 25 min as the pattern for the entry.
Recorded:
7 h 02 min
